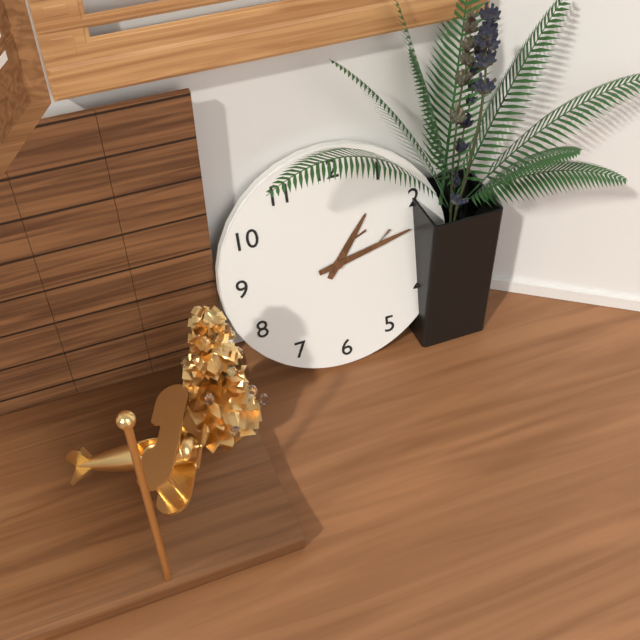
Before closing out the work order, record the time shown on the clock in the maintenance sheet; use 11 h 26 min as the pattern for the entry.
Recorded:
1 h 13 min
